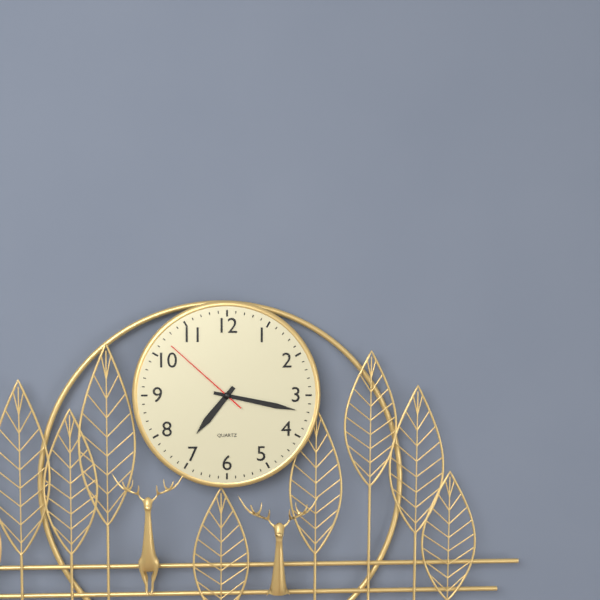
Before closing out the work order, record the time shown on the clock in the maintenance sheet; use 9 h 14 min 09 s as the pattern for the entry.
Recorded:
7 h 17 min 52 s
